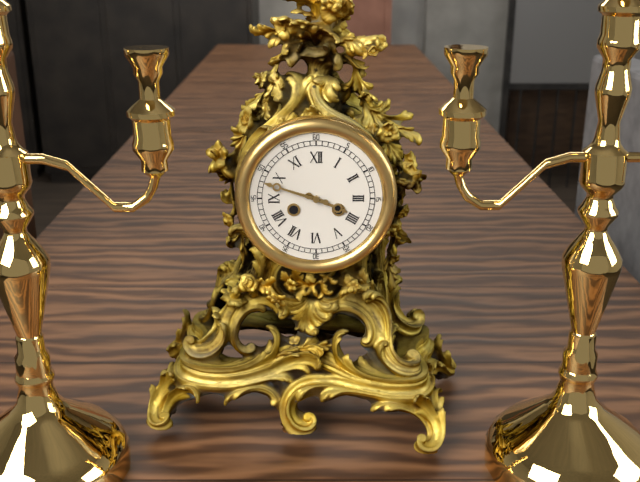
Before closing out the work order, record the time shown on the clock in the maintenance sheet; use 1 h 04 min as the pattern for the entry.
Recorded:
3 h 48 min
